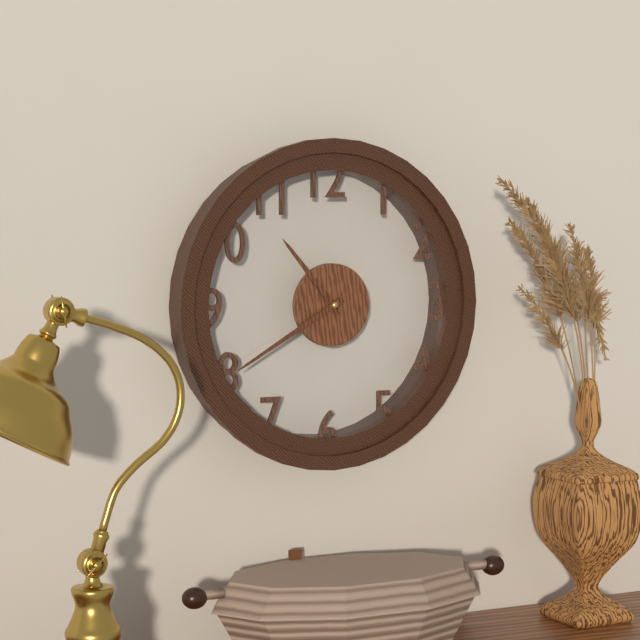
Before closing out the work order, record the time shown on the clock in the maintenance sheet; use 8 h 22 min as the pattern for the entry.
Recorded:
10 h 40 min
